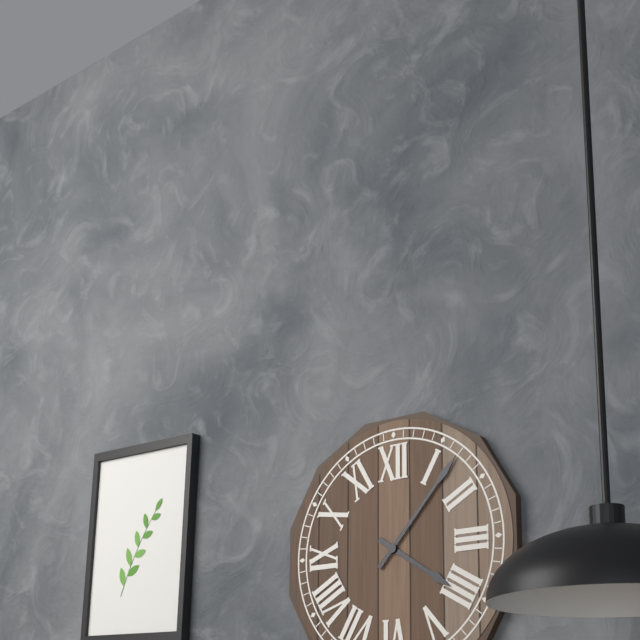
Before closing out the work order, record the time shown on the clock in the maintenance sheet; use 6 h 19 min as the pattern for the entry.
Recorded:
4 h 07 min
